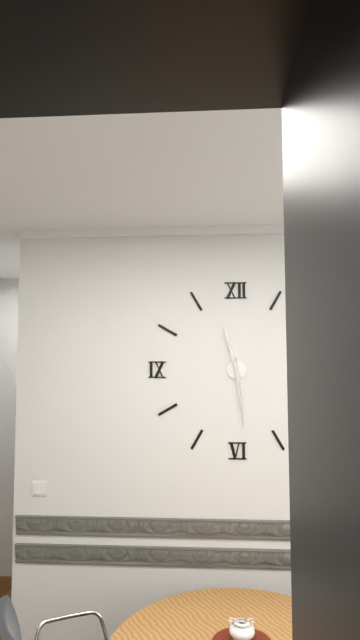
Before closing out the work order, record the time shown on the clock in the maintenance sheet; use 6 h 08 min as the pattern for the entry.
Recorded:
11 h 29 min
